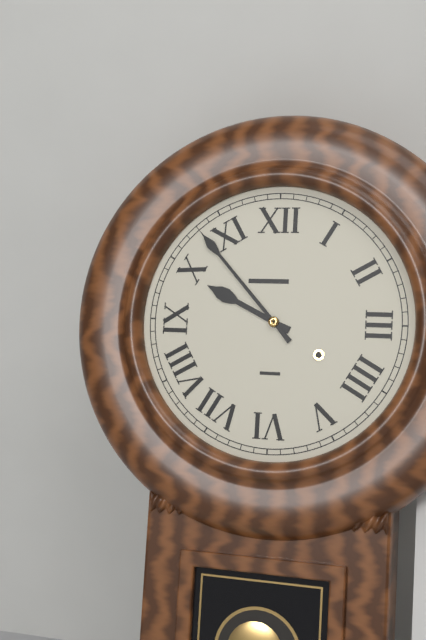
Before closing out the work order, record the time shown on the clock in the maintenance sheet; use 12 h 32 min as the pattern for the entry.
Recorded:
9 h 53 min
